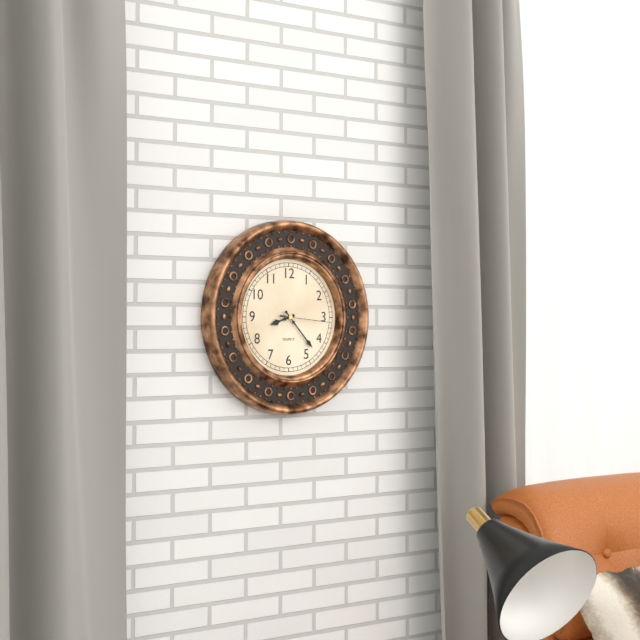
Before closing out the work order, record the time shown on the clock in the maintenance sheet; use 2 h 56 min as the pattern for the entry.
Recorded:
8 h 23 min
